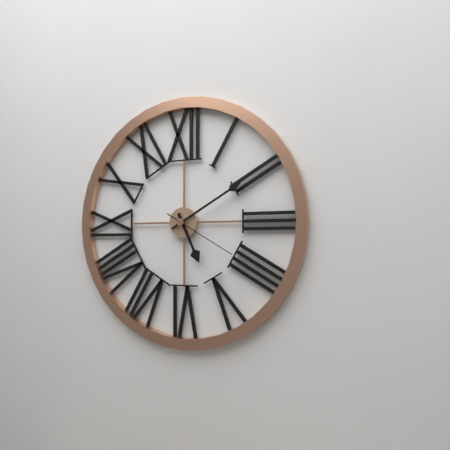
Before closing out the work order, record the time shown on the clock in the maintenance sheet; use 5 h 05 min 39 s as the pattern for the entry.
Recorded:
5 h 10 min 20 s
